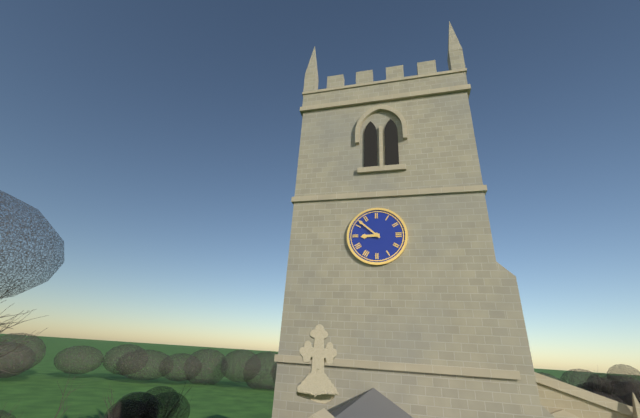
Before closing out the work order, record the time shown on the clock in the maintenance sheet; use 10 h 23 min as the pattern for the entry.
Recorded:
8 h 52 min
